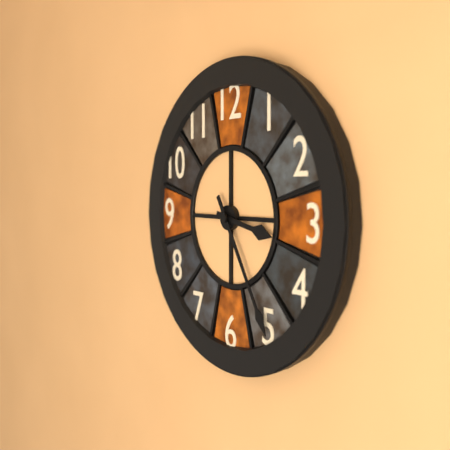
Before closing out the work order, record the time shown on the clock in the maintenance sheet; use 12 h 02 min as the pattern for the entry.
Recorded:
3 h 25 min
